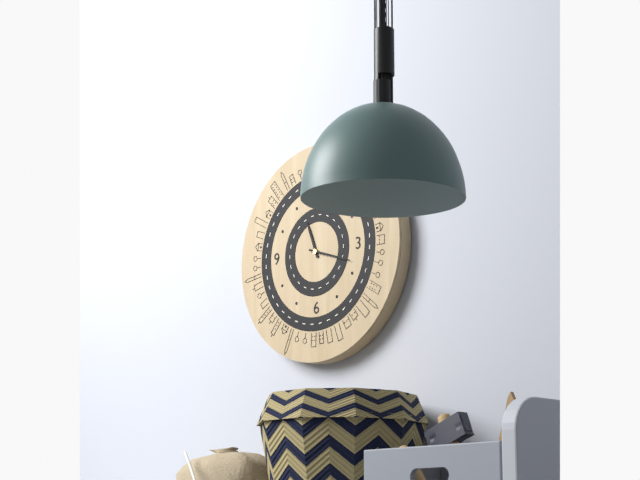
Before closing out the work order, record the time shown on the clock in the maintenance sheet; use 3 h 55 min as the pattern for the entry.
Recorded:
11 h 18 min
